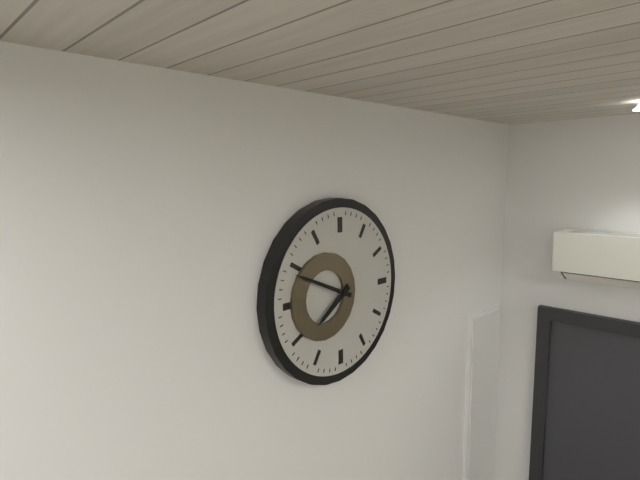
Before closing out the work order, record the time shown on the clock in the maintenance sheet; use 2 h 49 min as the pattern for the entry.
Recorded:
7 h 49 min
